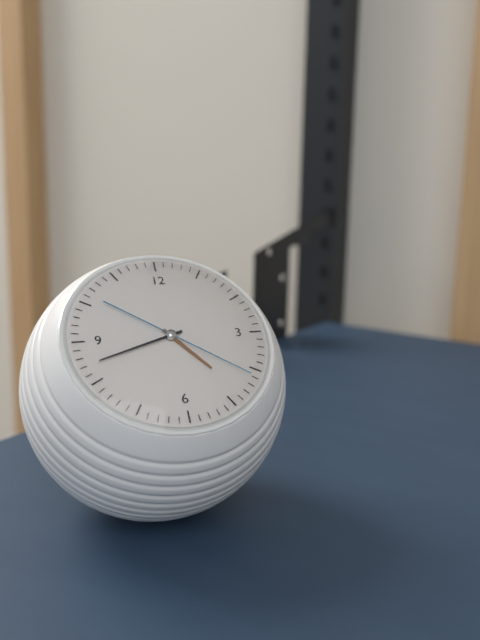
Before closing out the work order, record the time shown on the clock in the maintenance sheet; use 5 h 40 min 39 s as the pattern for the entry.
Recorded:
4 h 42 min 21 s
